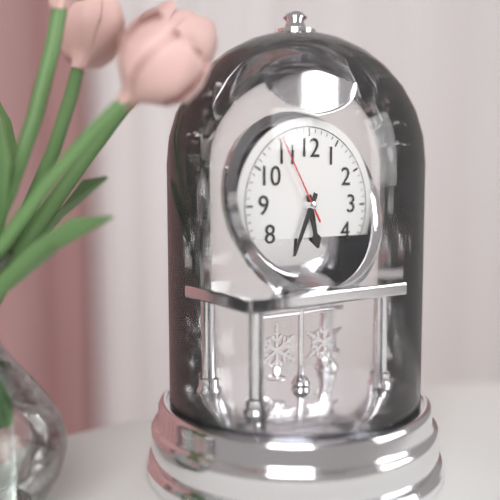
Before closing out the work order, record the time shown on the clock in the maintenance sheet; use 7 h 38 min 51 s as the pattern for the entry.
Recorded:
5 h 34 min 55 s
